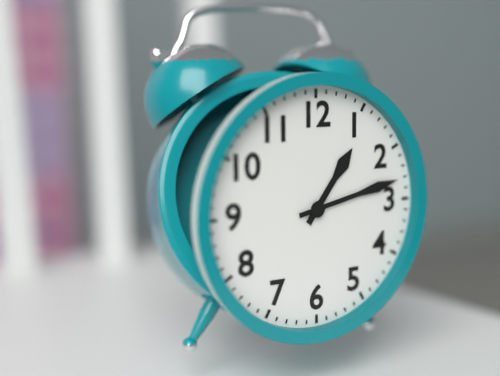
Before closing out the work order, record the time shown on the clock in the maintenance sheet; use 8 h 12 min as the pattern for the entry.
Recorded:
1 h 13 min
